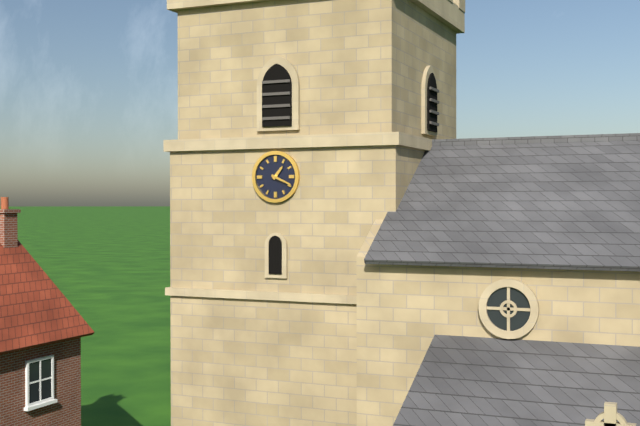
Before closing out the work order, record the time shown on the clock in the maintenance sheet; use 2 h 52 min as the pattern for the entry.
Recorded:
1 h 19 min
